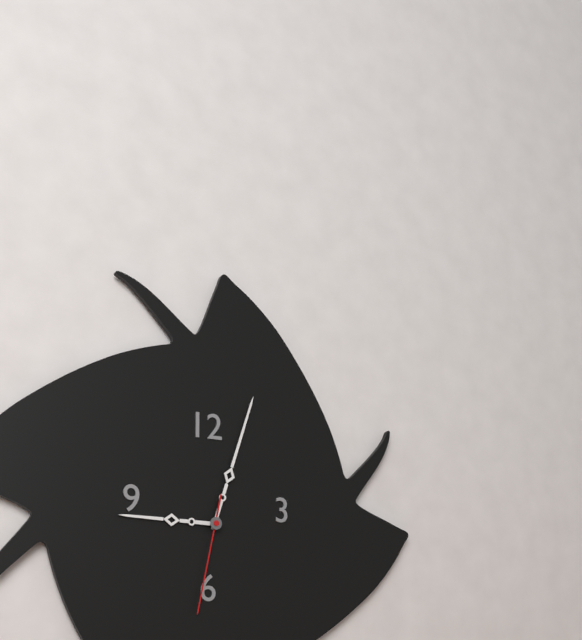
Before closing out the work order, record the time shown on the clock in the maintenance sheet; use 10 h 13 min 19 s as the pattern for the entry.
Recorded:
9 h 03 min 32 s
